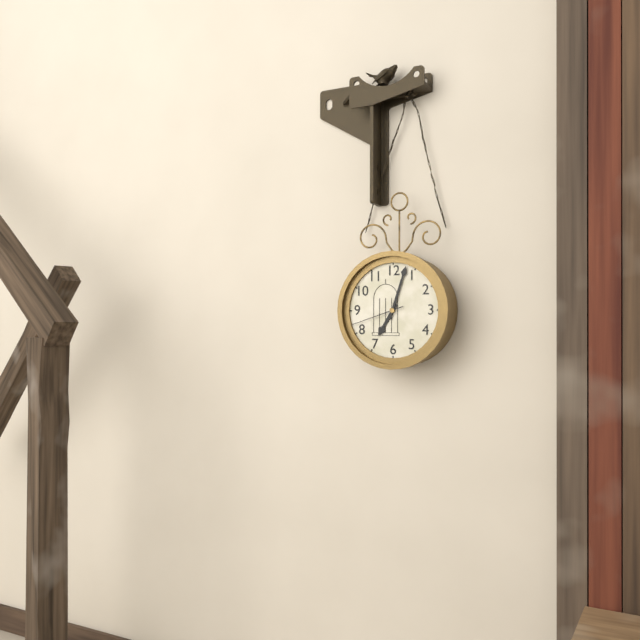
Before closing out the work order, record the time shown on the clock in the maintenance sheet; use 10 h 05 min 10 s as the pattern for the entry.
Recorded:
7 h 03 min 42 s
